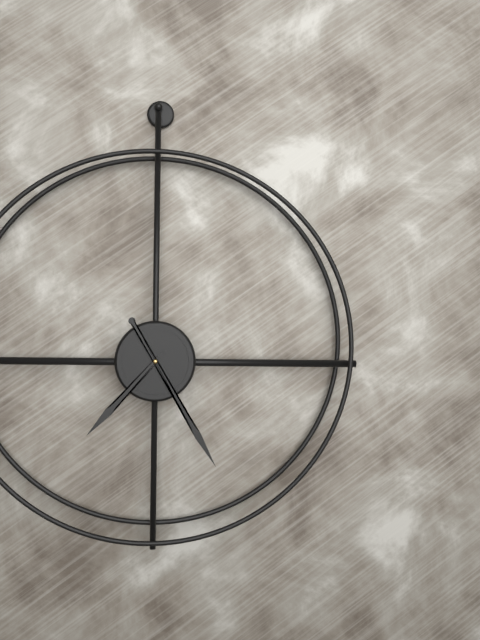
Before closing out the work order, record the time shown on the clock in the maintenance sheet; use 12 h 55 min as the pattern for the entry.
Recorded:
7 h 25 min
